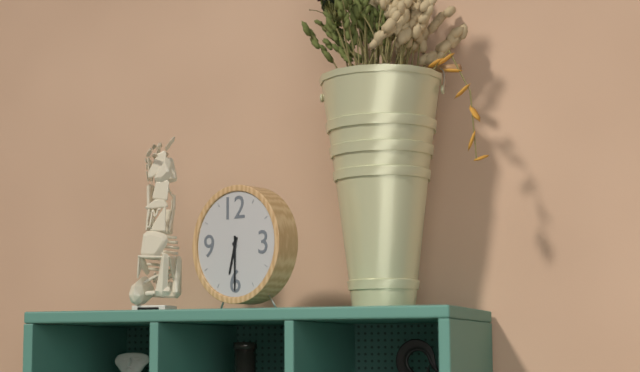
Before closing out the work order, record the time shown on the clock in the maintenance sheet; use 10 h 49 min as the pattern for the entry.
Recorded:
6 h 30 min
